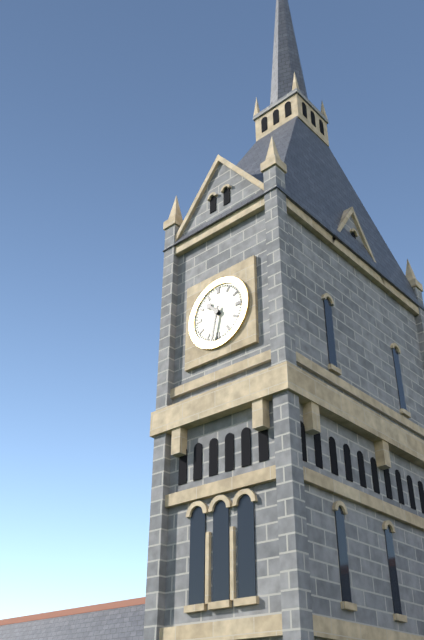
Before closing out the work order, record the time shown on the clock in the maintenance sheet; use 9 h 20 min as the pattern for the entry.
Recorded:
10 h 32 min
